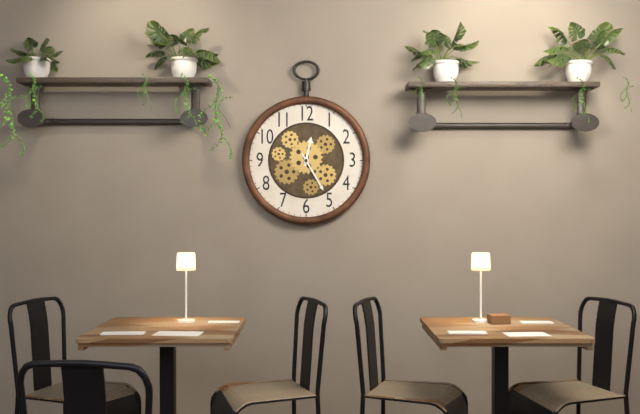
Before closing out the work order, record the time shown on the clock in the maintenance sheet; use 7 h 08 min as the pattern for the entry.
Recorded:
12 h 25 min
